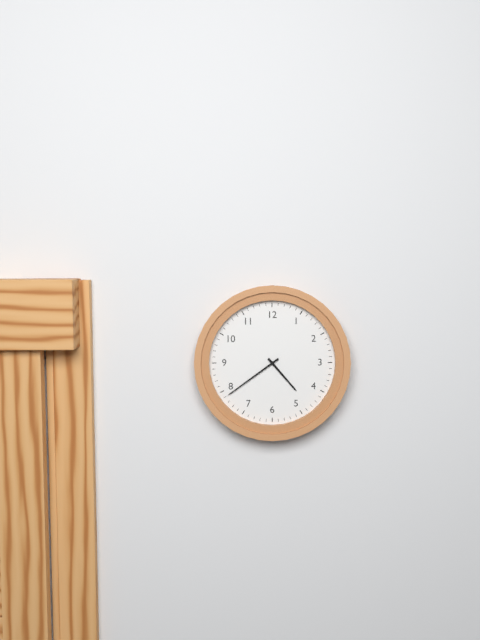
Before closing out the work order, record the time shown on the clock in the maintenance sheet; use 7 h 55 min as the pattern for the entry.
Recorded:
4 h 39 min
